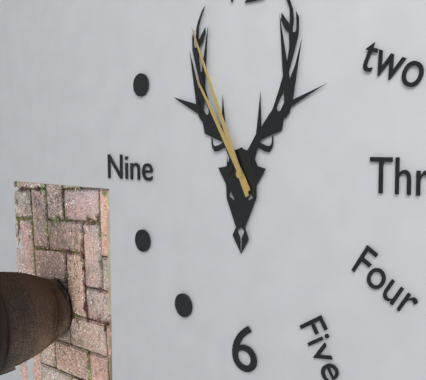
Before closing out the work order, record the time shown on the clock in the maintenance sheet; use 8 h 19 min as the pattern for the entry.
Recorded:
10 h 56 min
